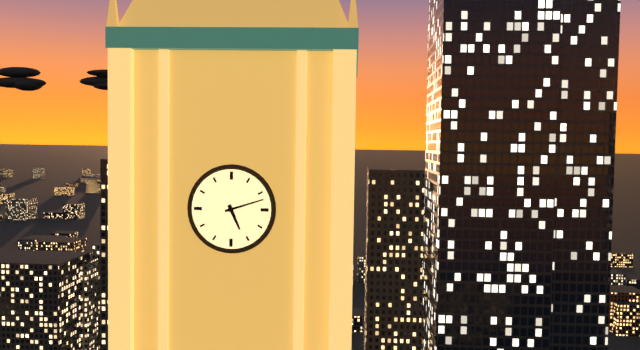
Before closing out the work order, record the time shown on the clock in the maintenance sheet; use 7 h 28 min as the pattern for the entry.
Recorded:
5 h 12 min
